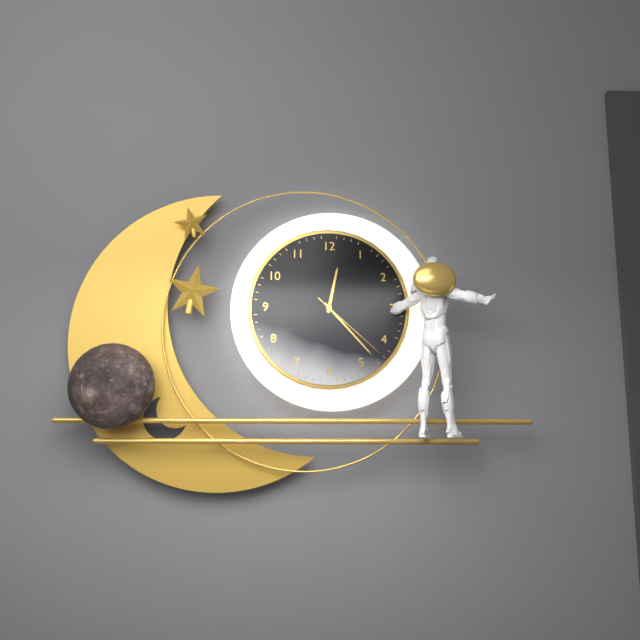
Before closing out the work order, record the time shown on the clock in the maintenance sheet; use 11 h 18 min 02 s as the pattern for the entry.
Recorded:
12 h 23 min 22 s
